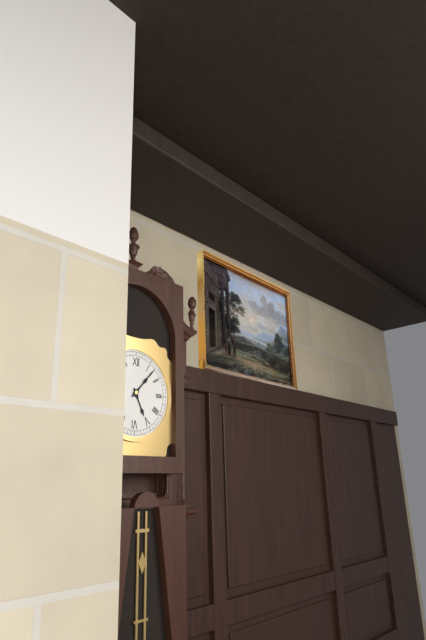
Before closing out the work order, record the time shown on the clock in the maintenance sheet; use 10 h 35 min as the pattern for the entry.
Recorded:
5 h 07 min
